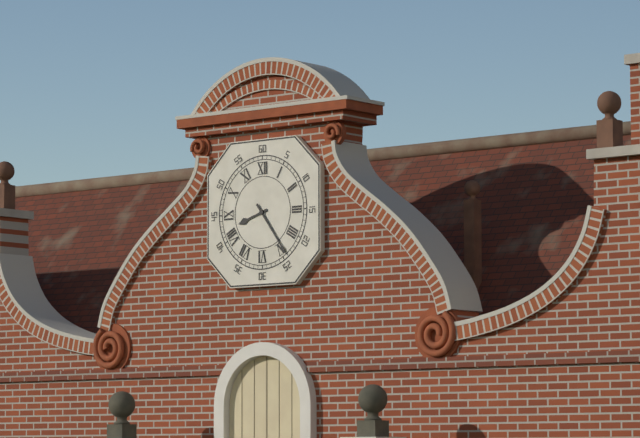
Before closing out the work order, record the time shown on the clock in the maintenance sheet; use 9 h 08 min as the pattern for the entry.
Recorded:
8 h 24 min
